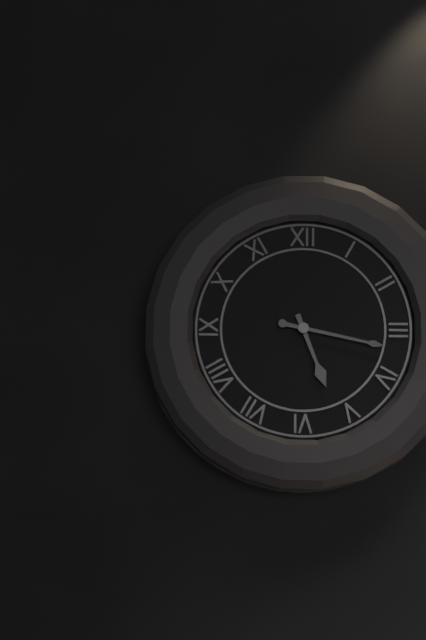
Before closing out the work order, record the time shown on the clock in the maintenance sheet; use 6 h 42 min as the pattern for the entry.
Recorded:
5 h 17 min
